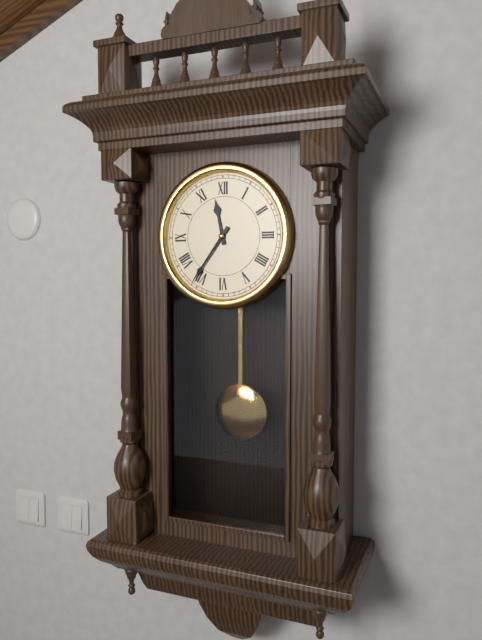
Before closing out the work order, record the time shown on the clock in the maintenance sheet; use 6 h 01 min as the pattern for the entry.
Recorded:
11 h 36 min
